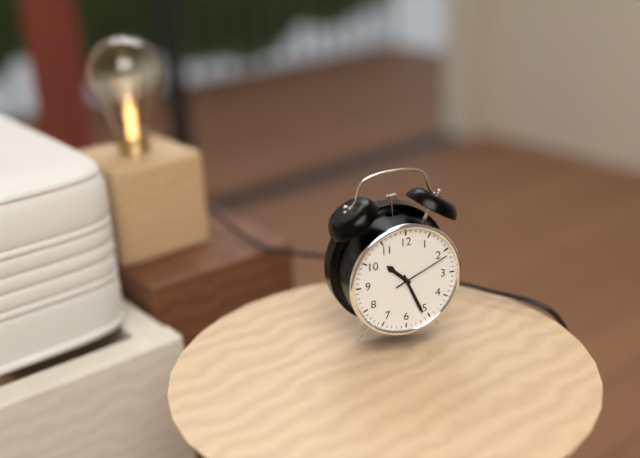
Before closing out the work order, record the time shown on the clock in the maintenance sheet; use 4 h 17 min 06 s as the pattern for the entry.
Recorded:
10 h 26 min 11 s
